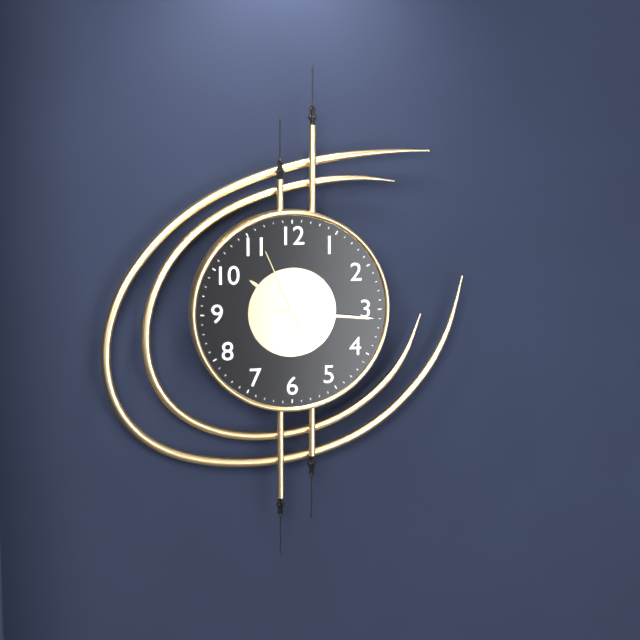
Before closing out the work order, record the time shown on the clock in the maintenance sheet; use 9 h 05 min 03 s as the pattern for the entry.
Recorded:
10 h 16 min 56 s
